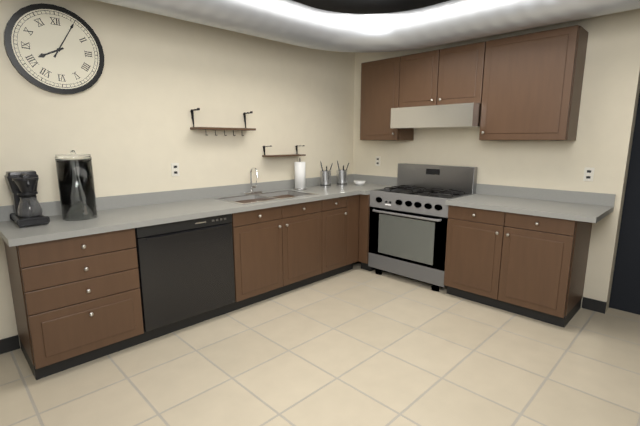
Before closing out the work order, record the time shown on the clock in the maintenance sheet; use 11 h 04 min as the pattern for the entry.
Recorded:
8 h 05 min
